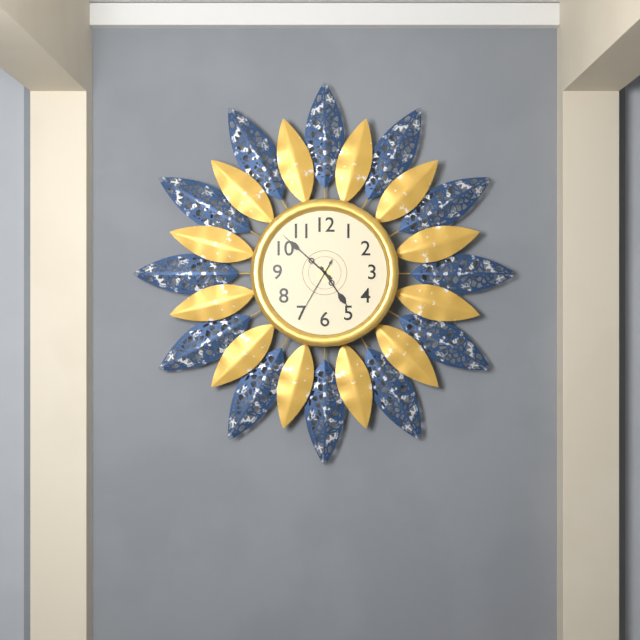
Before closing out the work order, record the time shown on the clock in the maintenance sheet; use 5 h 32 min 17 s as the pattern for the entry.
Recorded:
4 h 52 min 35 s
